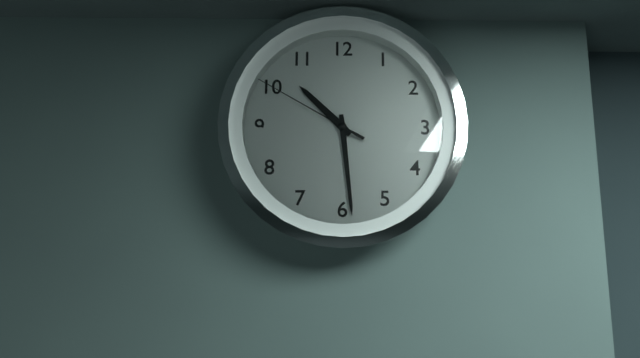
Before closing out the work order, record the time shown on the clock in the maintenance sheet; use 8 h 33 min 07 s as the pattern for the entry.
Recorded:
10 h 29 min 50 s
